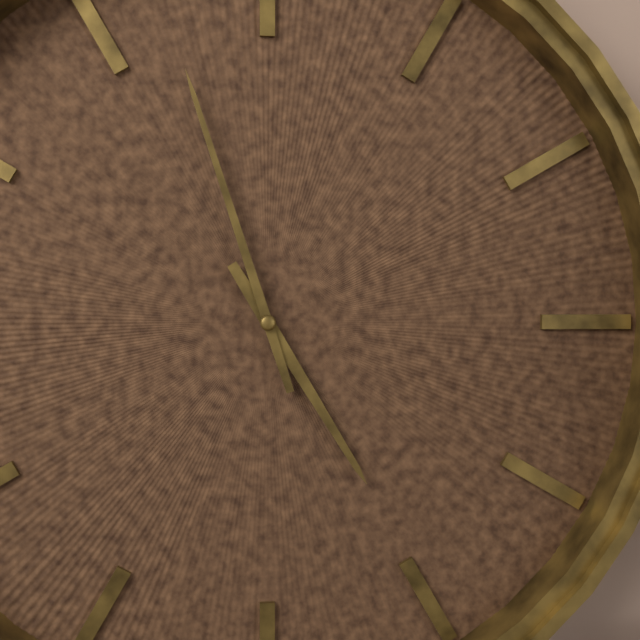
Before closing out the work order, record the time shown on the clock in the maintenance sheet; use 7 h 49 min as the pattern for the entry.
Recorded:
4 h 57 min
